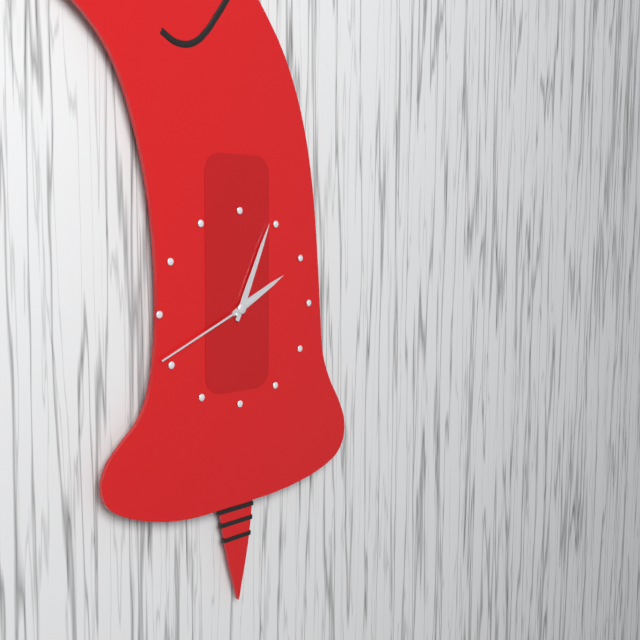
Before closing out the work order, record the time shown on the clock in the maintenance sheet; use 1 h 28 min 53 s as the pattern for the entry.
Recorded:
2 h 04 min 41 s
